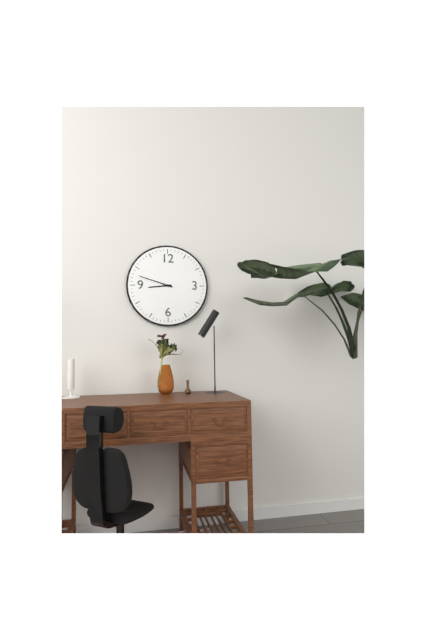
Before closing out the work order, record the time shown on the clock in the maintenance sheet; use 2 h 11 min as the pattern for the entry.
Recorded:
8 h 48 min
